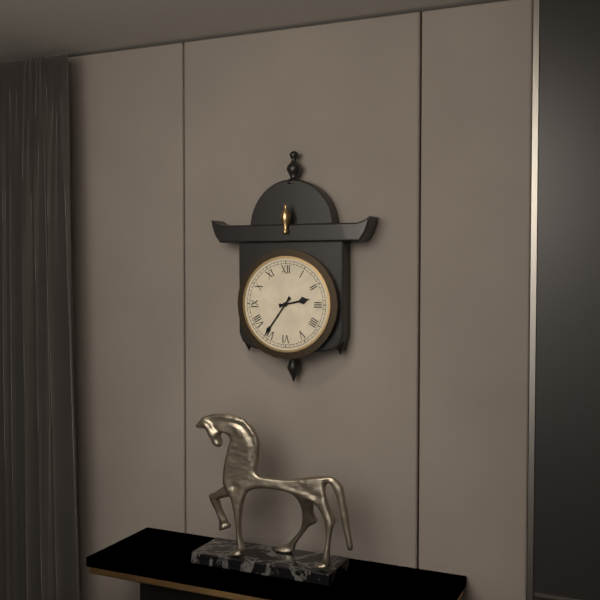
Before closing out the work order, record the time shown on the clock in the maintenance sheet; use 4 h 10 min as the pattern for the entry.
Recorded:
2 h 36 min
